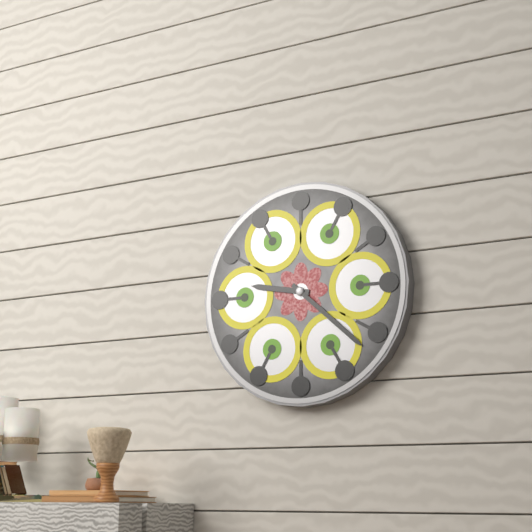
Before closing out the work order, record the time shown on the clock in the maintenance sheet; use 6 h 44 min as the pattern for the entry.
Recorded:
9 h 22 min
